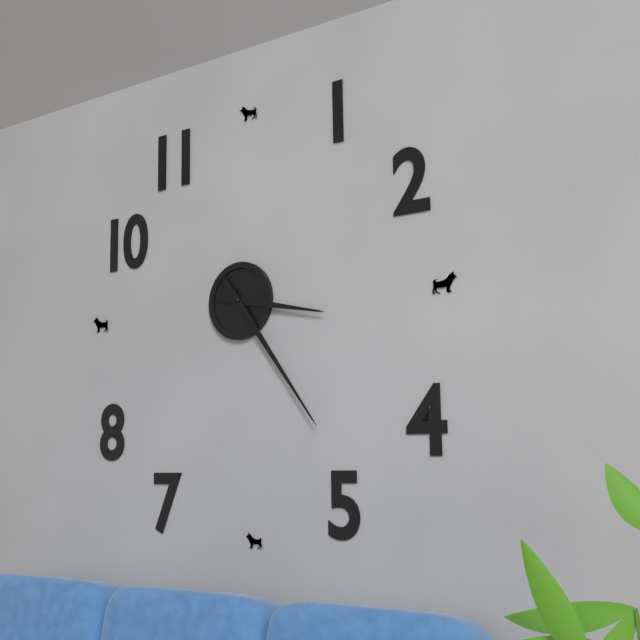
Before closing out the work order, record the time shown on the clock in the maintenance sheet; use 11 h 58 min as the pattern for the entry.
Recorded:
3 h 24 min
